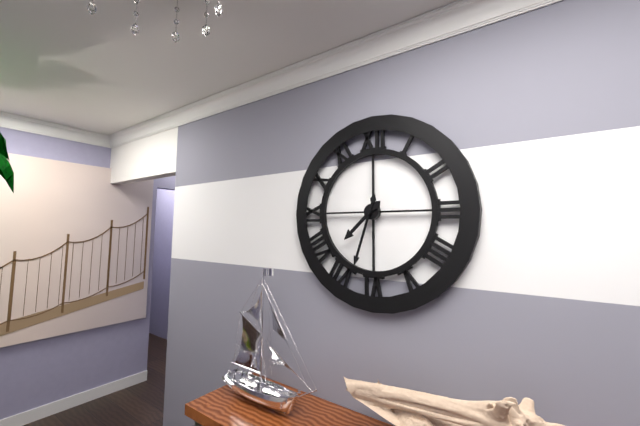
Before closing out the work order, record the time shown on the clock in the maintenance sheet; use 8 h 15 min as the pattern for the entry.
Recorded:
7 h 33 min
